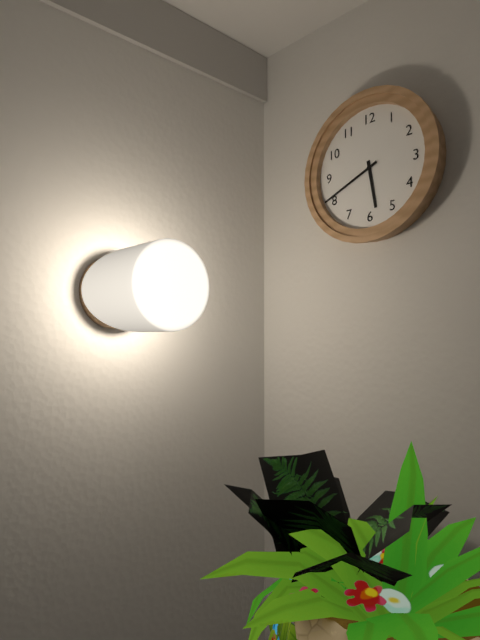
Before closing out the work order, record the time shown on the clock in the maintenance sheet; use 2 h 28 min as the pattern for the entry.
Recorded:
5 h 41 min
